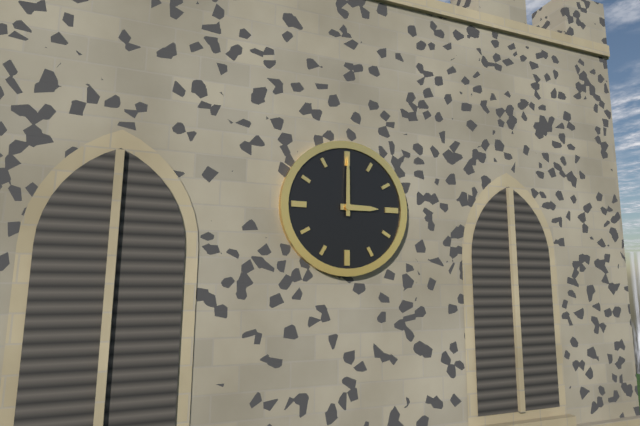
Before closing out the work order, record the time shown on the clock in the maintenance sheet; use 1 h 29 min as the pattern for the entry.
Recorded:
3 h 00 min
